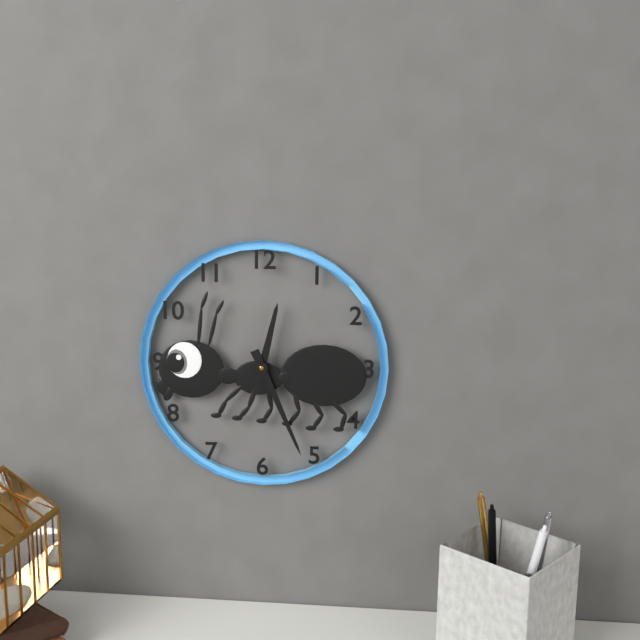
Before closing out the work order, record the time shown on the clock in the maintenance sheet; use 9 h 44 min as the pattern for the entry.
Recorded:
12 h 26 min
